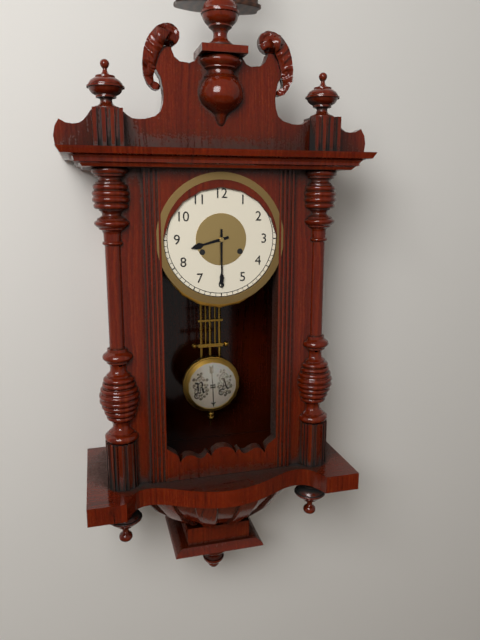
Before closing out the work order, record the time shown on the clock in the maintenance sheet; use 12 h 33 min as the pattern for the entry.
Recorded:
8 h 30 min
